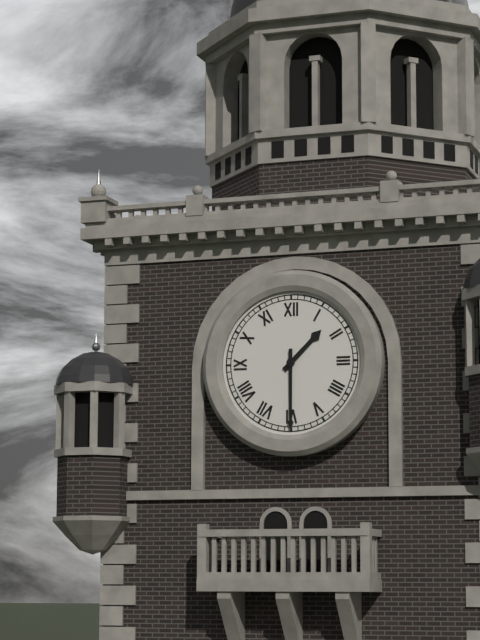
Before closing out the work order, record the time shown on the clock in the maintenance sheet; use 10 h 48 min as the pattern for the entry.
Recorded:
1 h 30 min
